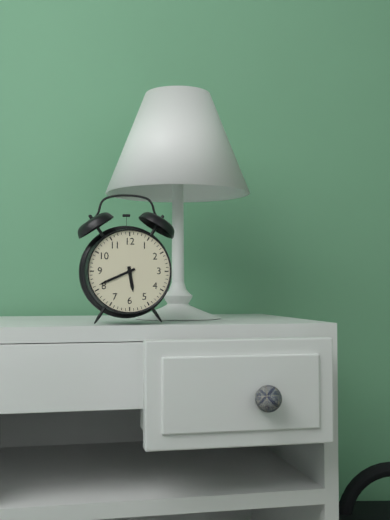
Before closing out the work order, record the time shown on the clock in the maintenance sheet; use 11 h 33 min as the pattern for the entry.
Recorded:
5 h 41 min
